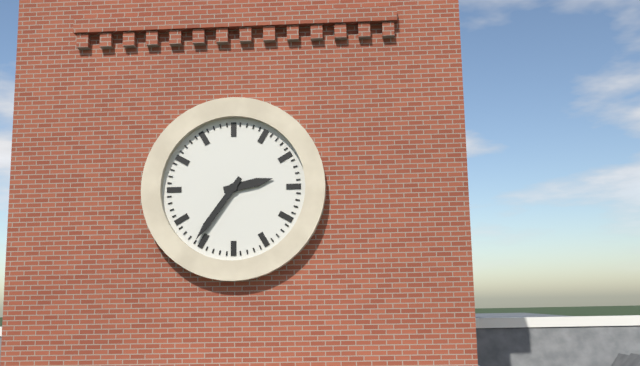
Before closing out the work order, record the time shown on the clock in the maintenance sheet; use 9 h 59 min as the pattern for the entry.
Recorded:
2 h 36 min
